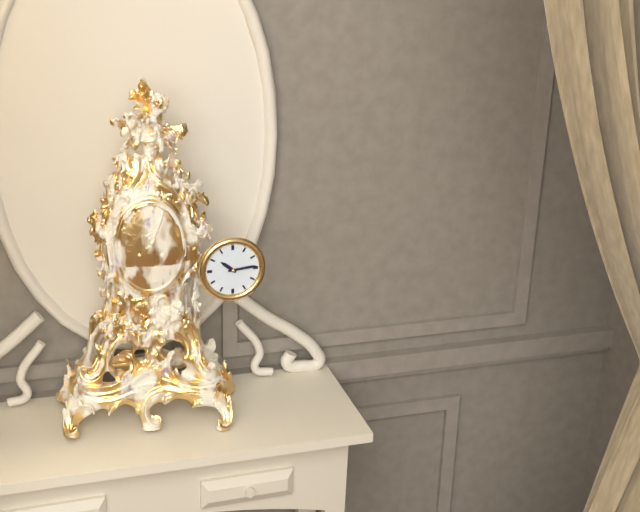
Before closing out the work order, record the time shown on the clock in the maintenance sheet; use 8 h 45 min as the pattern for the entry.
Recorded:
10 h 14 min
